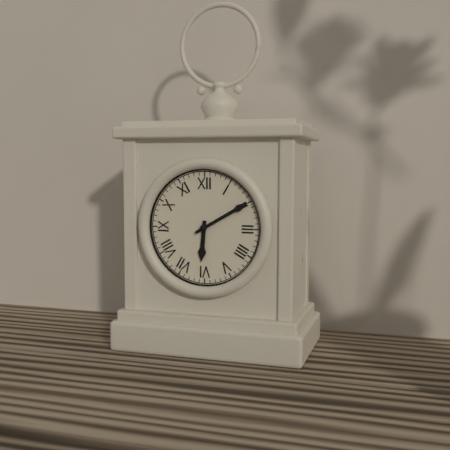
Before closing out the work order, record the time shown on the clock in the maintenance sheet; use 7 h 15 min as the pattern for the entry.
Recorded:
6 h 10 min
